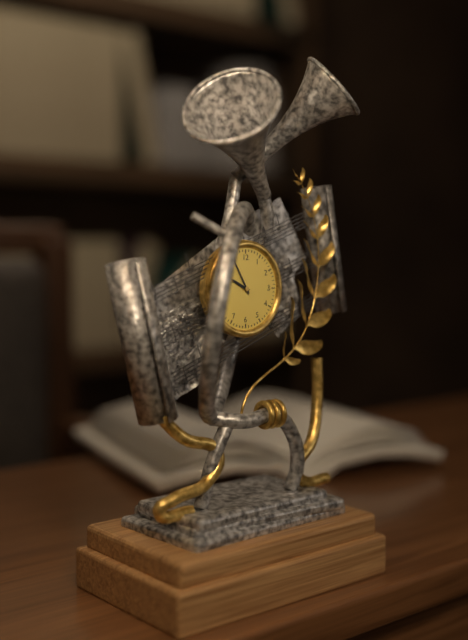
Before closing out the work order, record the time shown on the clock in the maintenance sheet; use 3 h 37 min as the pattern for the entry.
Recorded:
9 h 55 min
